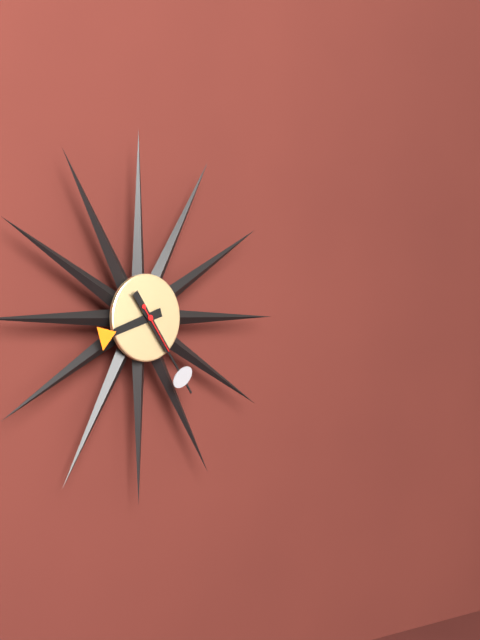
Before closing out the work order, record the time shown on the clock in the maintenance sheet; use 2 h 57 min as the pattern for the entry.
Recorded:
8 h 24 min
